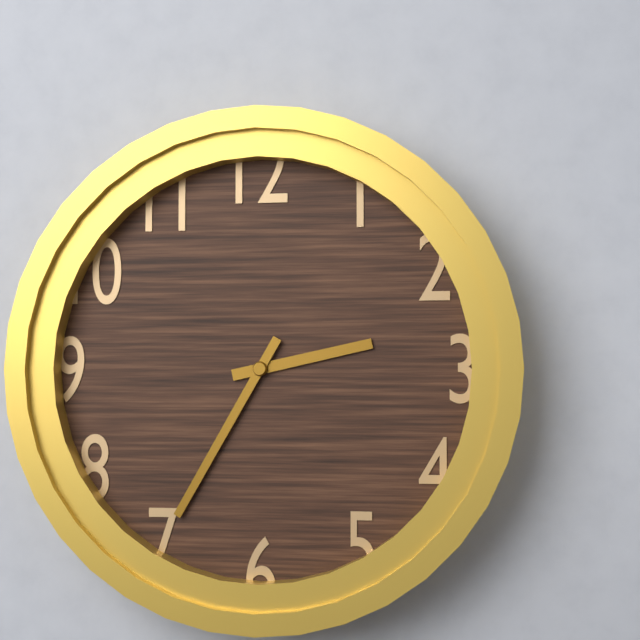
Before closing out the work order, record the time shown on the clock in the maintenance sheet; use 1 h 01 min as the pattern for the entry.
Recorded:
2 h 35 min
